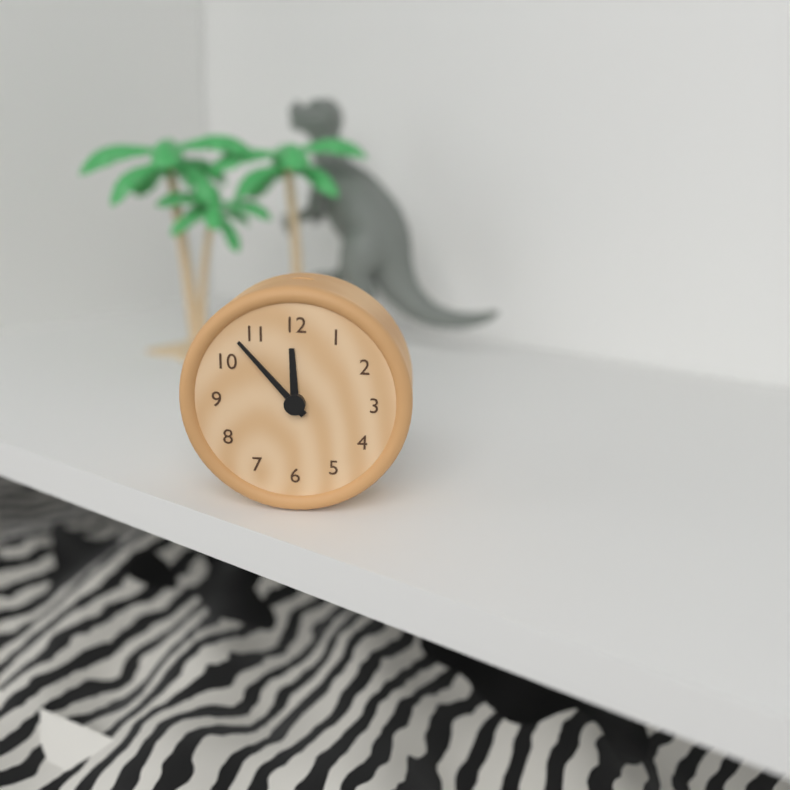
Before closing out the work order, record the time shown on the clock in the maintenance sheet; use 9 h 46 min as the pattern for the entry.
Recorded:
11 h 53 min
